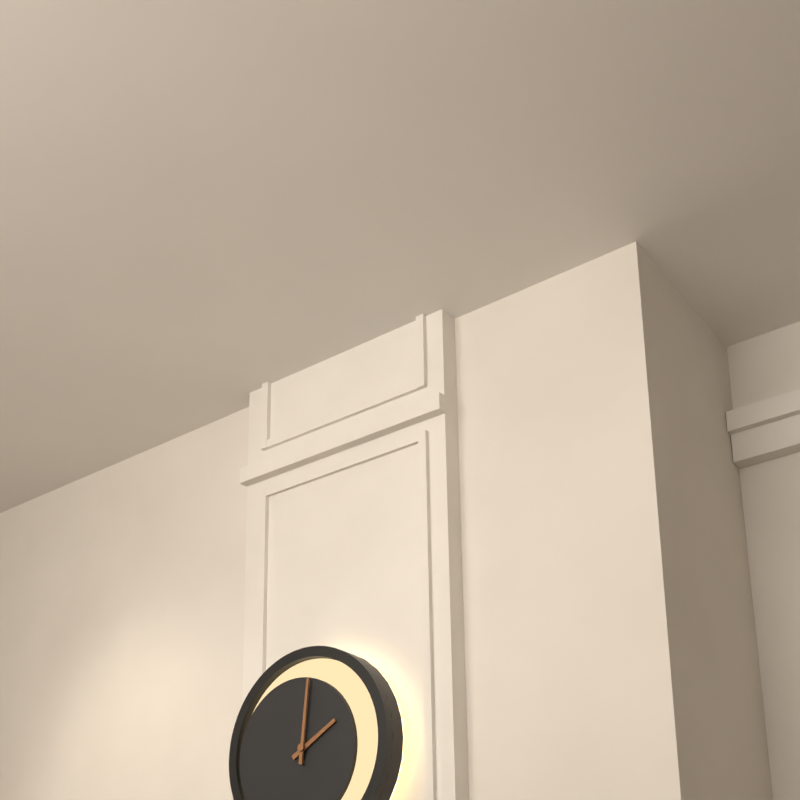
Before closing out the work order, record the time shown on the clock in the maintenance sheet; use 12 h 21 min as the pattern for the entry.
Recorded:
2 h 01 min
